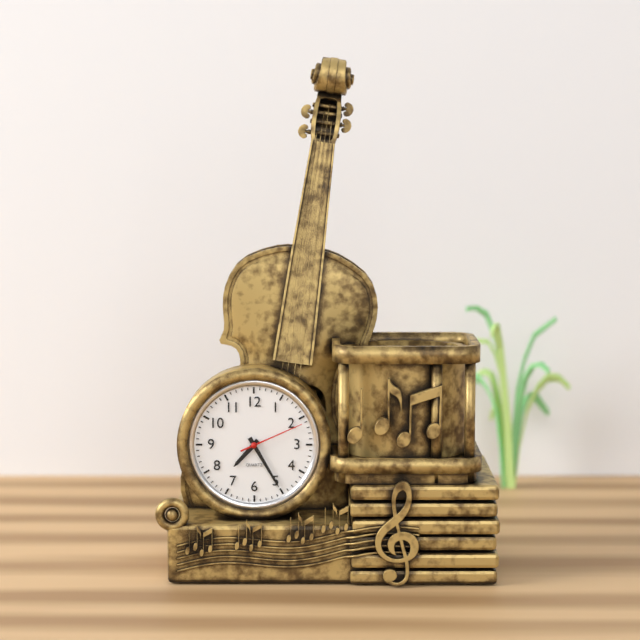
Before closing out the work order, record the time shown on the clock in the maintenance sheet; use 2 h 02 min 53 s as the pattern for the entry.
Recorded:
7 h 25 min 11 s
